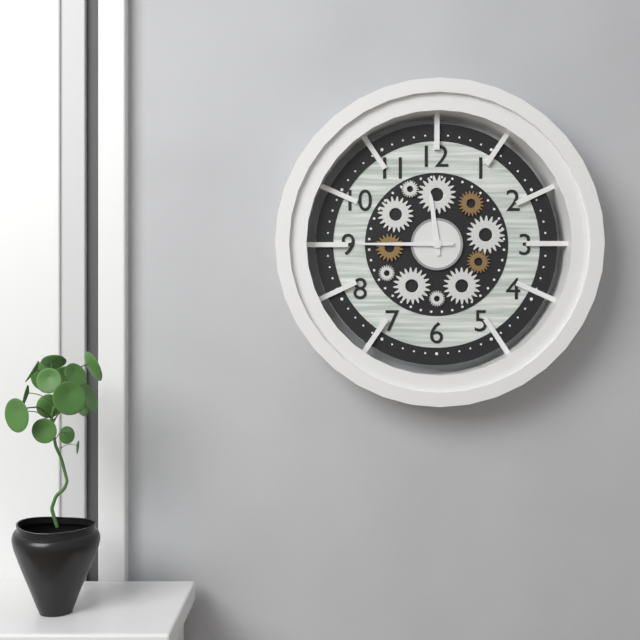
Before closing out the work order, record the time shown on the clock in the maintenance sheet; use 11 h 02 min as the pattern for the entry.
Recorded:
11 h 45 min
